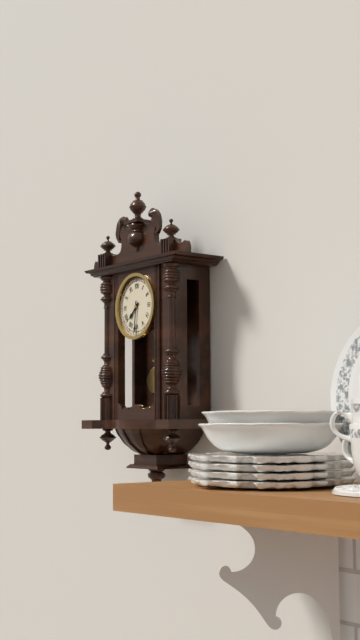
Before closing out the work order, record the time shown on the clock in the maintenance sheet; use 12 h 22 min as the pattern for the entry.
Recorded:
7 h 31 min
